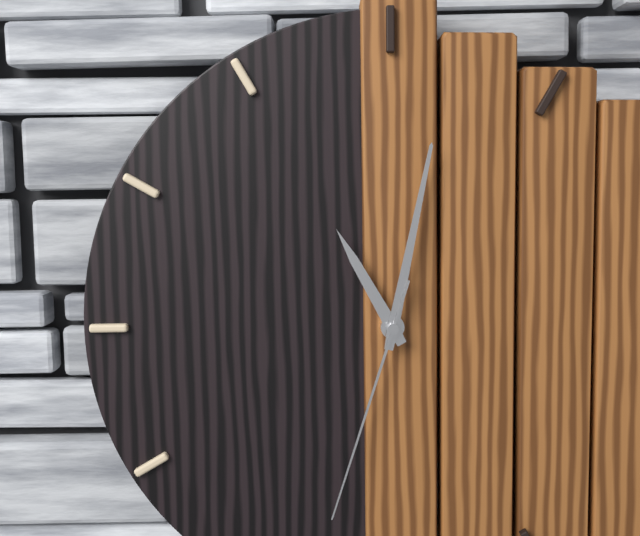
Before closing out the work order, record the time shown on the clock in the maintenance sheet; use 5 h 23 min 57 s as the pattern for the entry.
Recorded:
11 h 02 min 33 s
